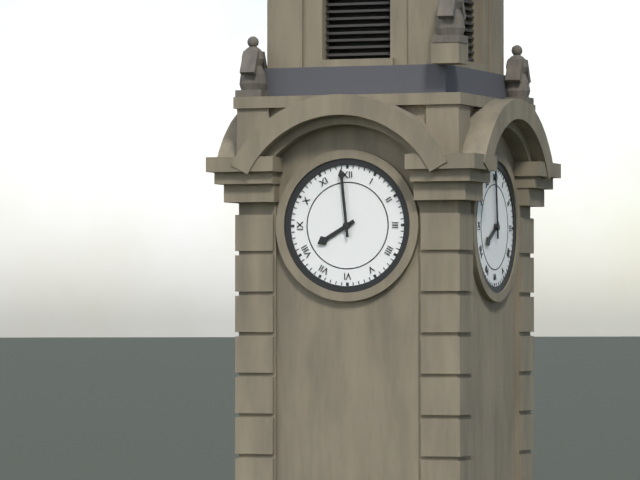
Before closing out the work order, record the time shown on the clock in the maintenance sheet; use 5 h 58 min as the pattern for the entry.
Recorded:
7 h 59 min
